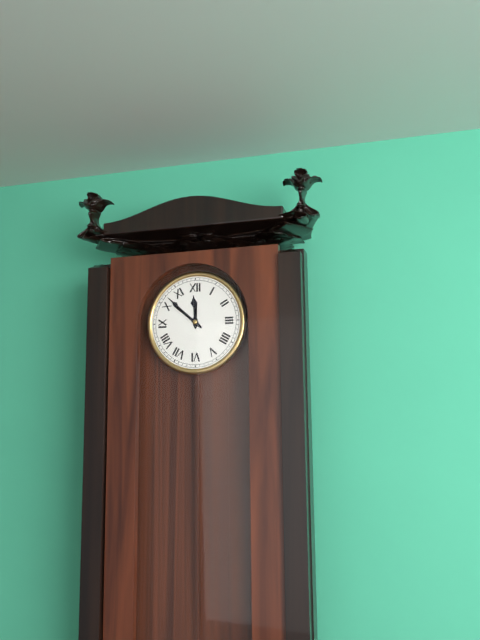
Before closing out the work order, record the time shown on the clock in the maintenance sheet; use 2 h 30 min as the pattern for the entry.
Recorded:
11 h 52 min
